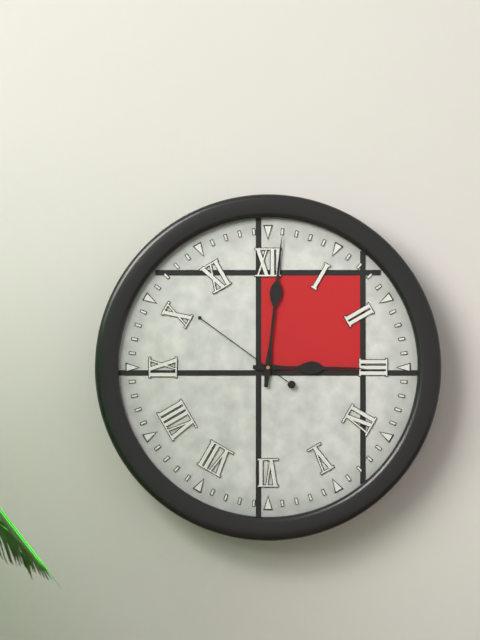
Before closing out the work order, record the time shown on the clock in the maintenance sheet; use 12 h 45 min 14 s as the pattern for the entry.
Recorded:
3 h 01 min 51 s
